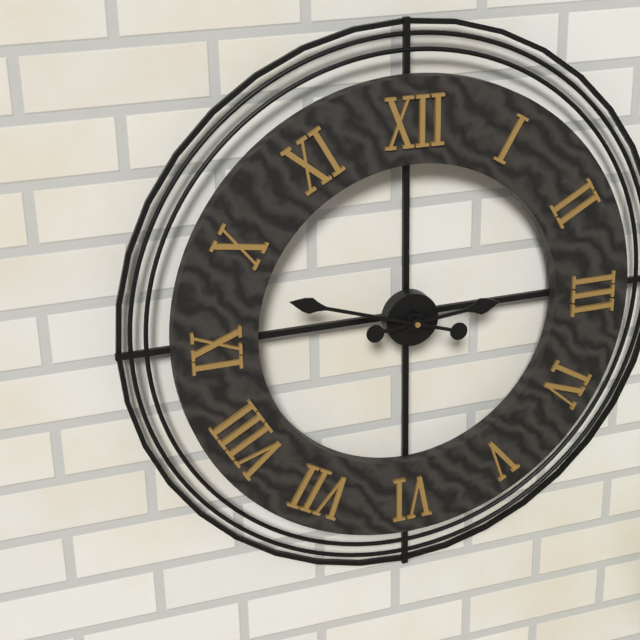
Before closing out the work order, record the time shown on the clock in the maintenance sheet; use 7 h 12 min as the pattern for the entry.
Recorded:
2 h 48 min
